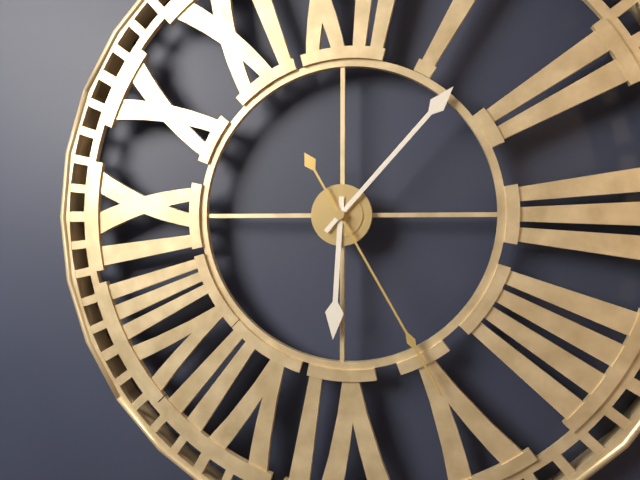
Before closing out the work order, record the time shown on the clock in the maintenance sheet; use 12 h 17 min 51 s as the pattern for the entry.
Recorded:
6 h 07 min 25 s
